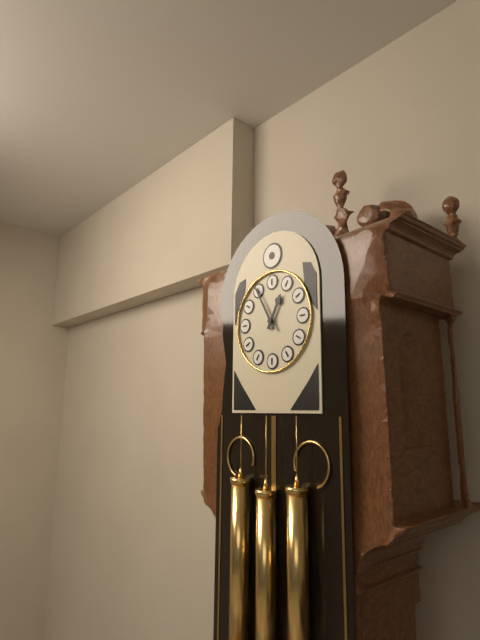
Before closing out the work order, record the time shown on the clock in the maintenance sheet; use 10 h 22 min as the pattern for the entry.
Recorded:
12 h 55 min
